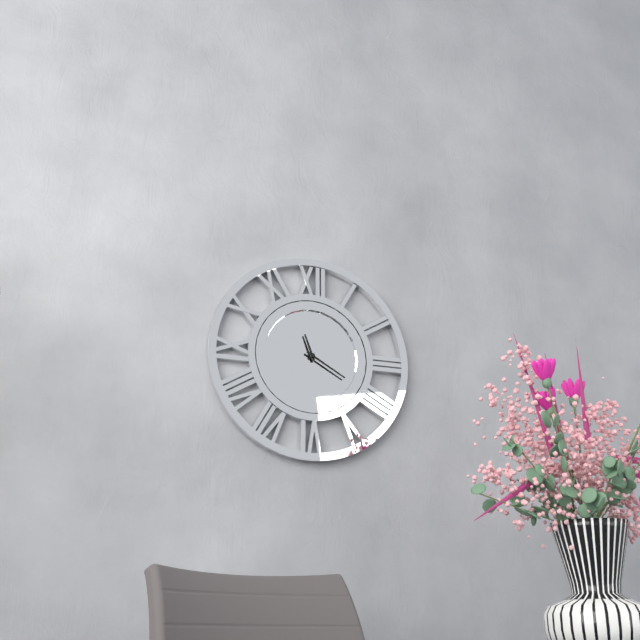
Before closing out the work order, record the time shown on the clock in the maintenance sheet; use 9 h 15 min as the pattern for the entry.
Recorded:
11 h 20 min
